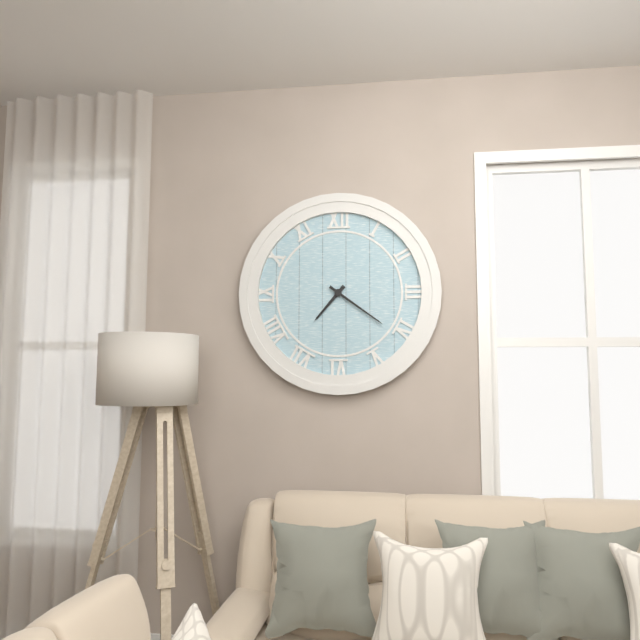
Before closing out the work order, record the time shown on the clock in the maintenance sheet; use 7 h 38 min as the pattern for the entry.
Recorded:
7 h 21 min
